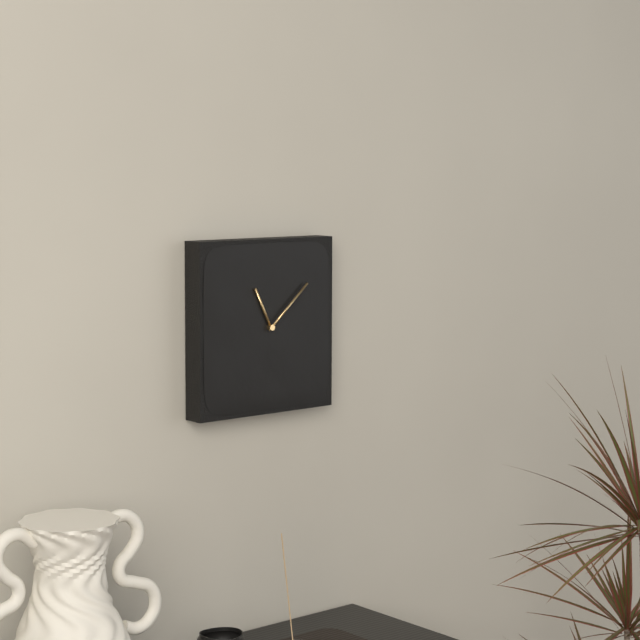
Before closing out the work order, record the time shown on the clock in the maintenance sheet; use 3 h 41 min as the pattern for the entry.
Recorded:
11 h 08 min
